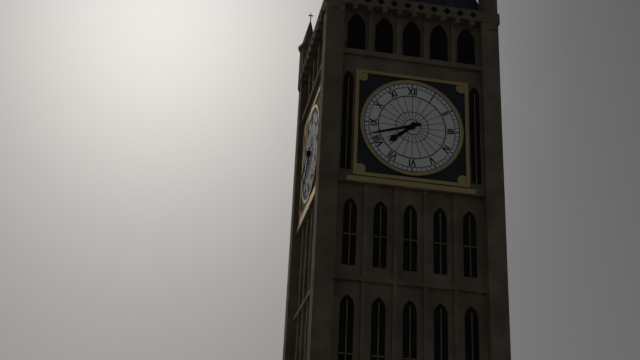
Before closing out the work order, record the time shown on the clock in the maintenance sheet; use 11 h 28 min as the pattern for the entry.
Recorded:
7 h 42 min
